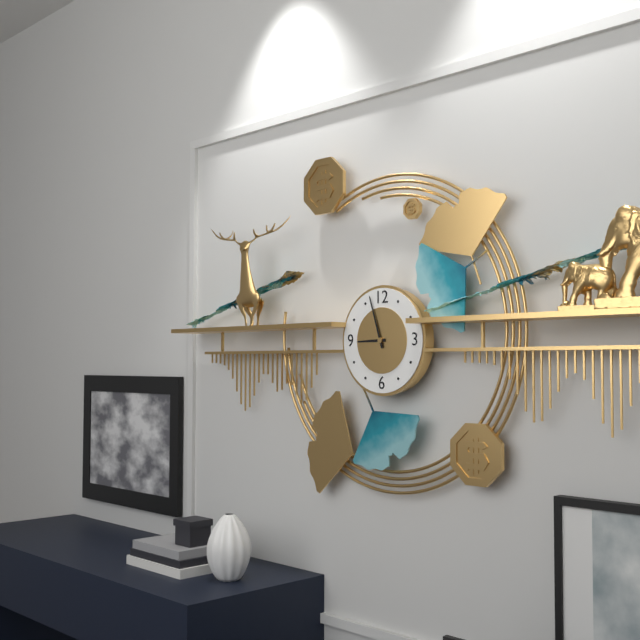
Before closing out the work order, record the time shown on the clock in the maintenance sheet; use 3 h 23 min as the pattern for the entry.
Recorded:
8 h 57 min
